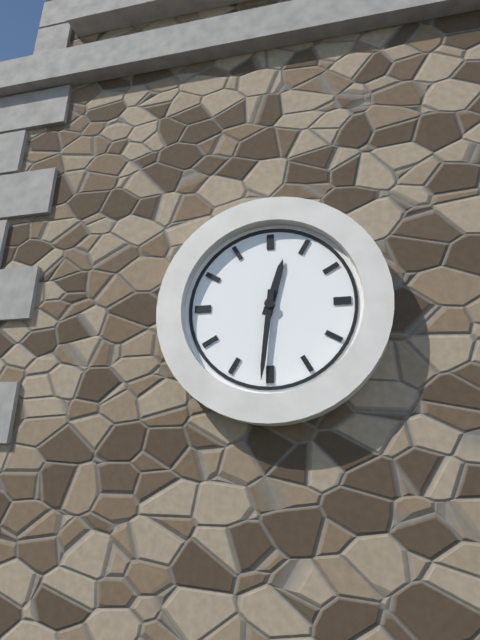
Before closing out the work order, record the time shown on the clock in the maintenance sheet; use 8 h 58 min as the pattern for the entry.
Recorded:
12 h 31 min
